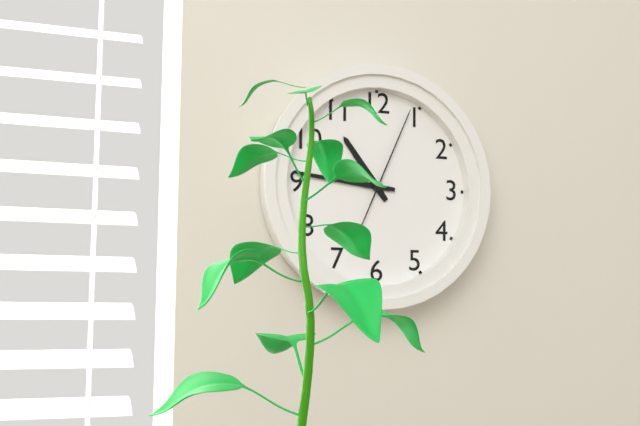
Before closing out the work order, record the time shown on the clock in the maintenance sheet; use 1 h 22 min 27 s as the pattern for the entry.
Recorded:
10 h 46 min 04 s
